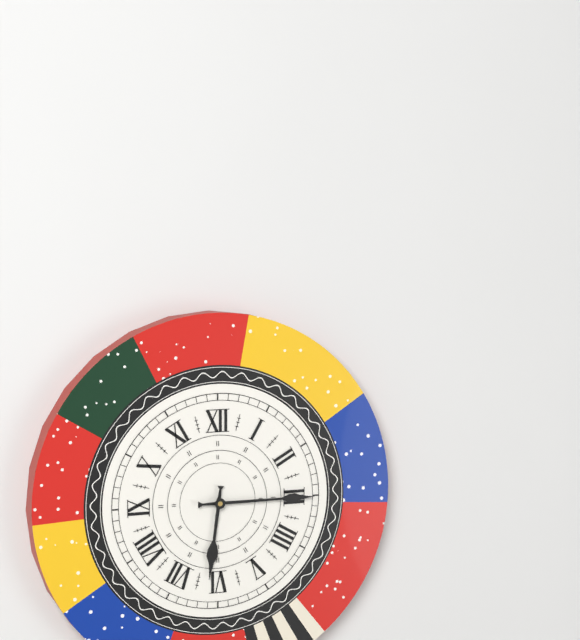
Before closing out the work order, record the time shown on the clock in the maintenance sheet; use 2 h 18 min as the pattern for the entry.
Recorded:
6 h 15 min
